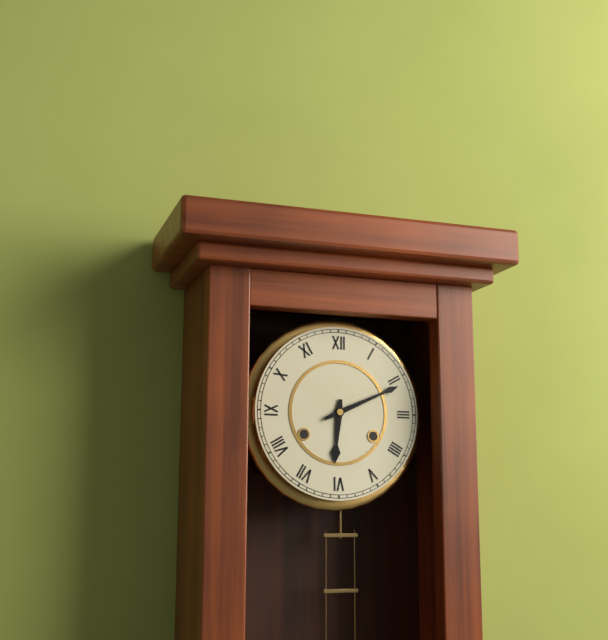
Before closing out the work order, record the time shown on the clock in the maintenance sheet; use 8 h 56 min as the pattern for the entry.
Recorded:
6 h 11 min
